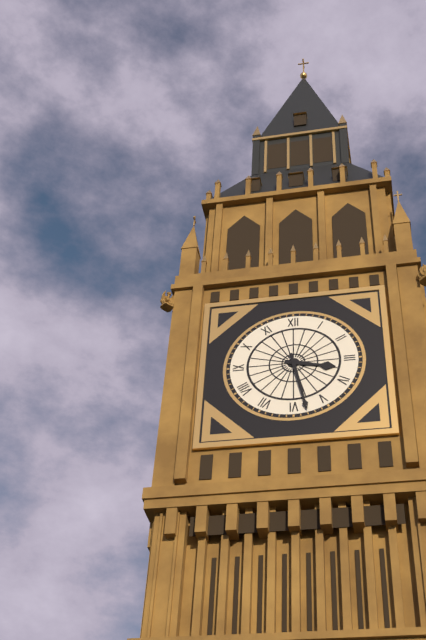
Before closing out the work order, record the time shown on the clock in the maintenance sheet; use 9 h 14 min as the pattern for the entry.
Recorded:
3 h 28 min
